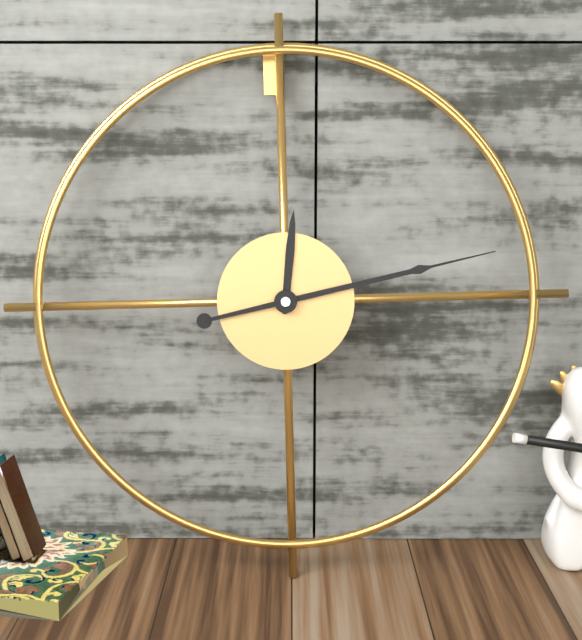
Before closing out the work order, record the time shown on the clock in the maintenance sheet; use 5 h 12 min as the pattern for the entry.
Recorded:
12 h 13 min
